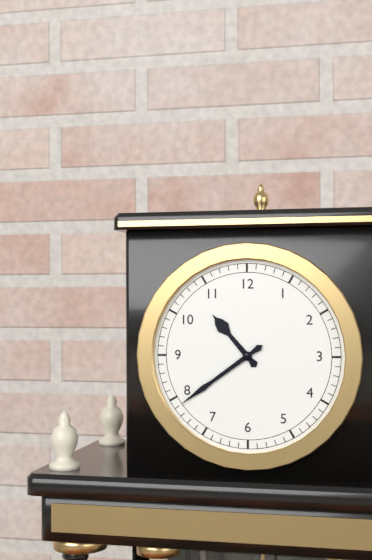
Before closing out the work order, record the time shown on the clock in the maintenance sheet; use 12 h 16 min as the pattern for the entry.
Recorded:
10 h 39 min
